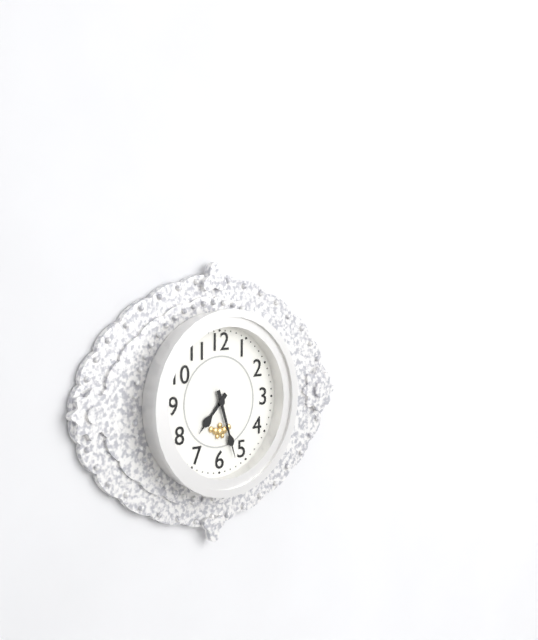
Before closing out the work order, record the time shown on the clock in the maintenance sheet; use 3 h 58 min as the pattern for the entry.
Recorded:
7 h 27 min
